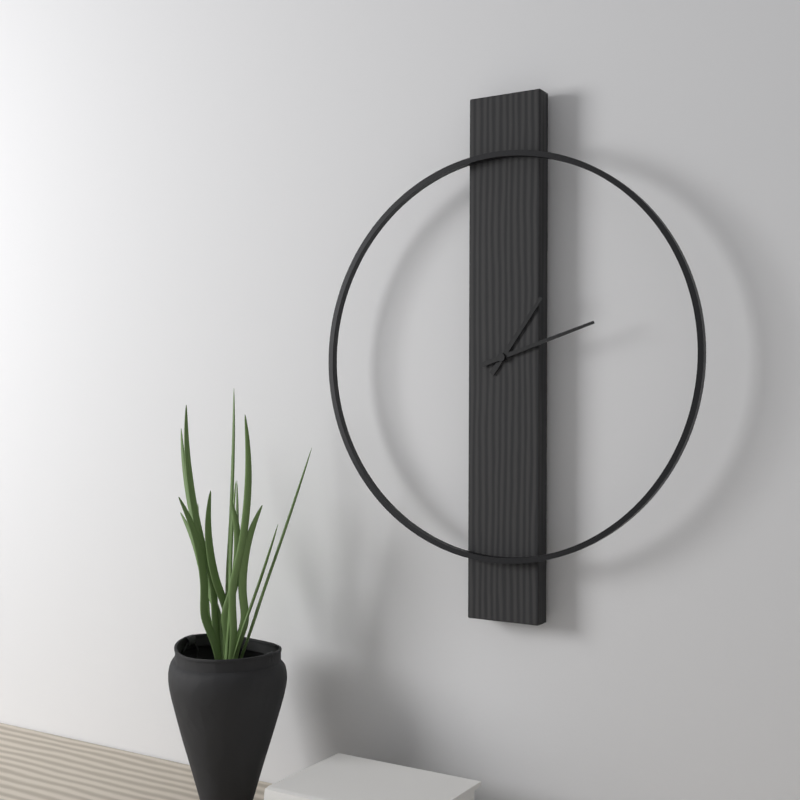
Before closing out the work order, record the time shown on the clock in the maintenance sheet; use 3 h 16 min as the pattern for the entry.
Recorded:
1 h 12 min
